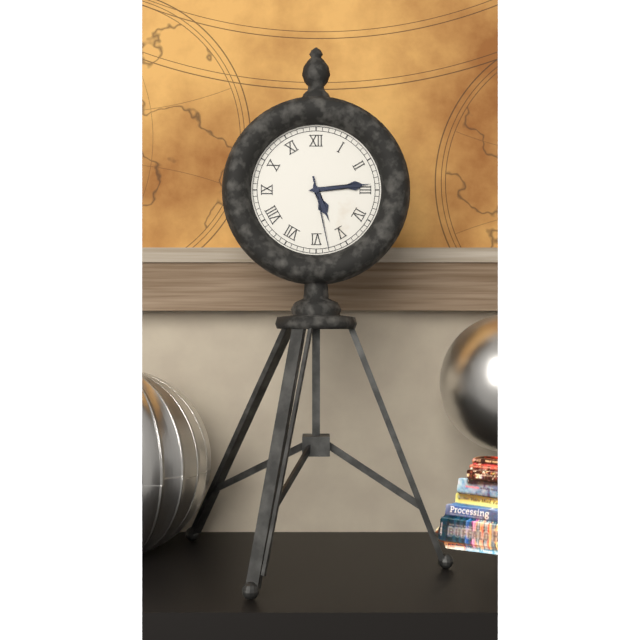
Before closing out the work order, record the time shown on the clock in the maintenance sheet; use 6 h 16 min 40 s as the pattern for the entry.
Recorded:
5 h 14 min 28 s
